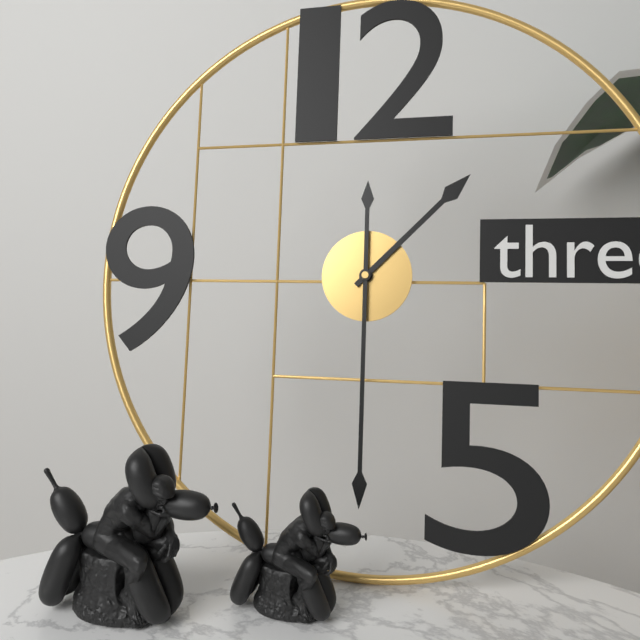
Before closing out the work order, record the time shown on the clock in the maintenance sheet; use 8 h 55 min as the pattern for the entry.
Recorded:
1 h 30 min
